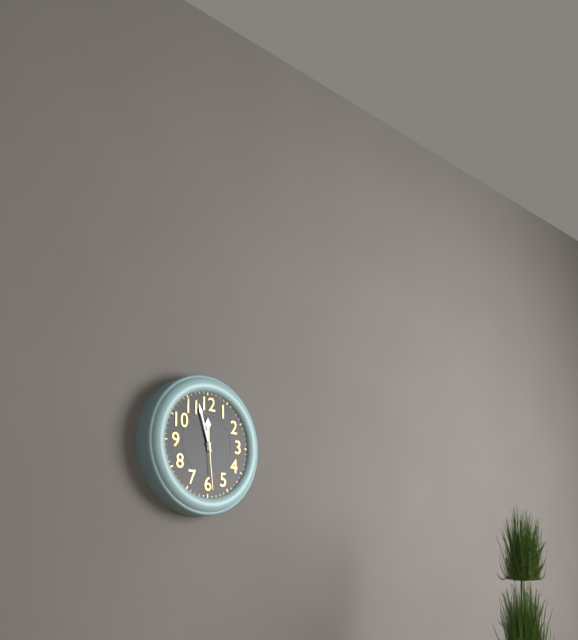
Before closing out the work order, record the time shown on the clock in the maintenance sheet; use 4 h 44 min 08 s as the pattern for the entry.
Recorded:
11 h 57 min 29 s
